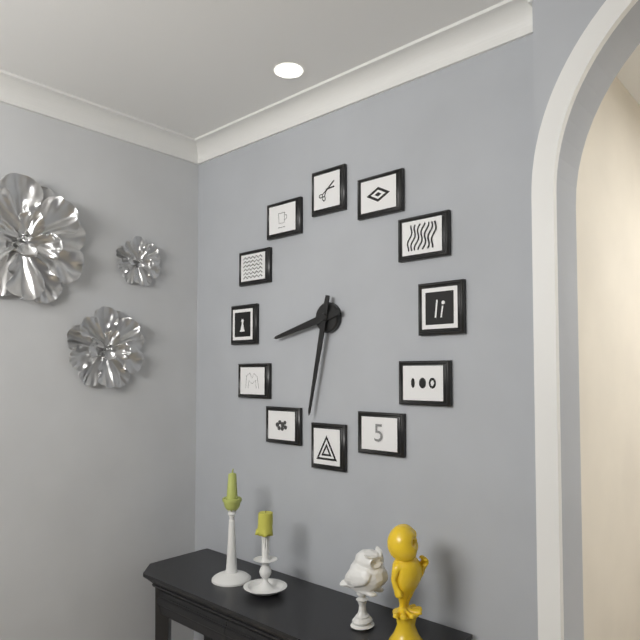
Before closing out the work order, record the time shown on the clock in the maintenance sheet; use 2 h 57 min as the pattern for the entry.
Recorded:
8 h 32 min
